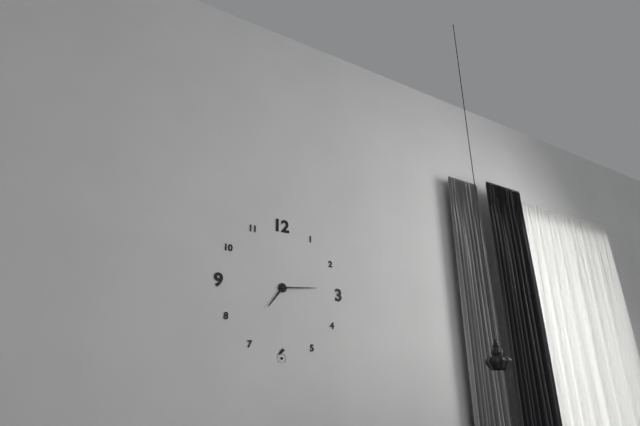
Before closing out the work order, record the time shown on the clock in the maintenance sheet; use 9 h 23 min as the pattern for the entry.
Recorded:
7 h 14 min
